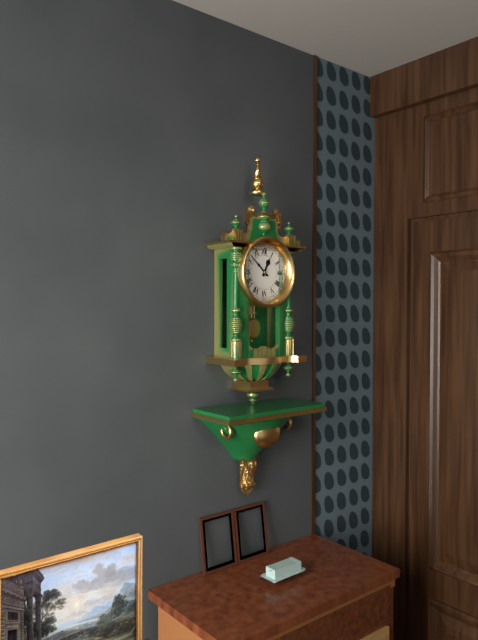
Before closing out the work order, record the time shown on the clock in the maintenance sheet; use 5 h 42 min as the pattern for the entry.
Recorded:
12 h 52 min
